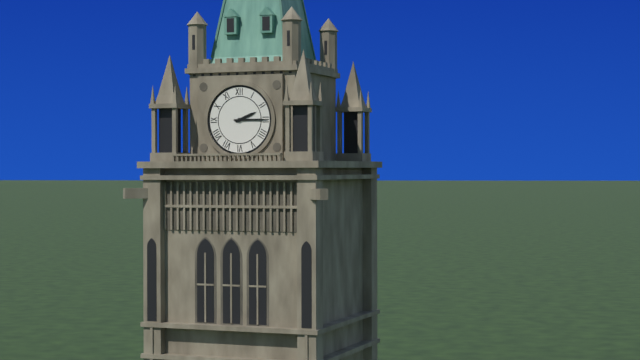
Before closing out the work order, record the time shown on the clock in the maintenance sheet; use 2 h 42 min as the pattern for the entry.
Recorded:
2 h 15 min
